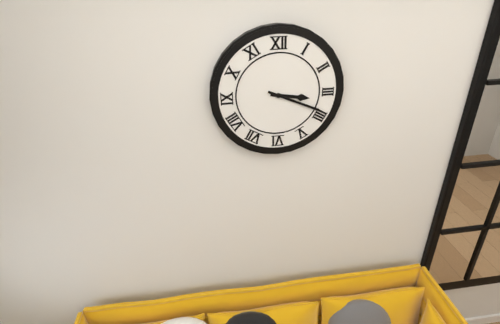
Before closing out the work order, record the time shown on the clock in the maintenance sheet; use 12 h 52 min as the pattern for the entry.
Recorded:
3 h 19 min
